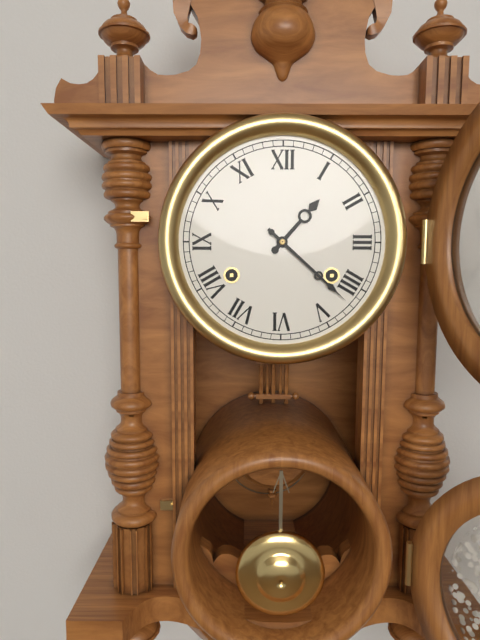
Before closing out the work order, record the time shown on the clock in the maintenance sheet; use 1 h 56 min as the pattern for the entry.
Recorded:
1 h 22 min
